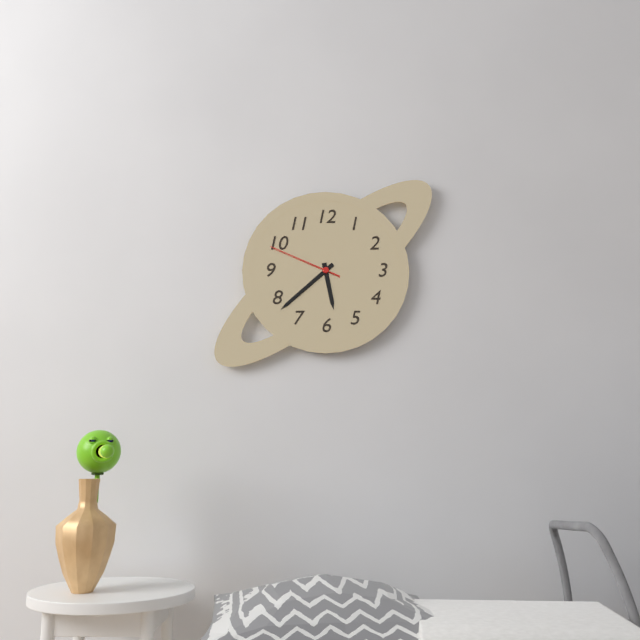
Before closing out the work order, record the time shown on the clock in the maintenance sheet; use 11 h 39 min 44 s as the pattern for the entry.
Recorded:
5 h 38 min 49 s
